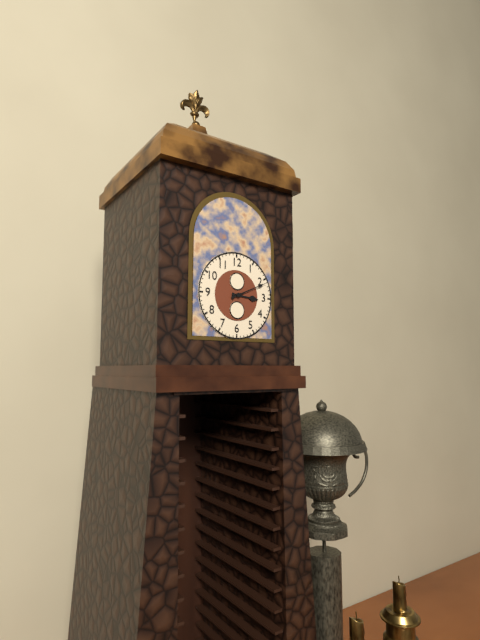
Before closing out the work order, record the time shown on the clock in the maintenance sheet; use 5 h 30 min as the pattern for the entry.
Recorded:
3 h 11 min
